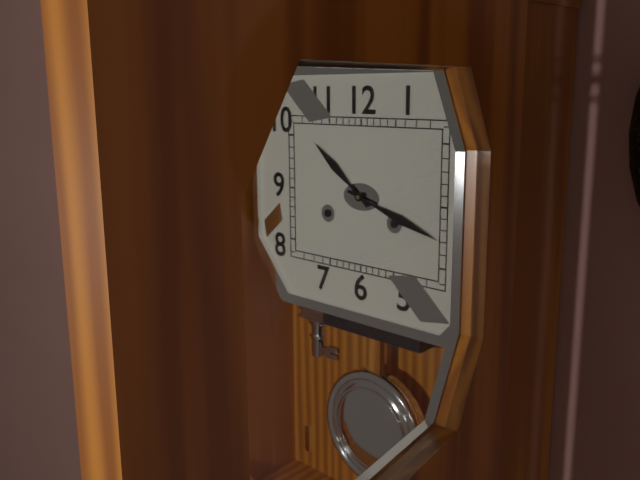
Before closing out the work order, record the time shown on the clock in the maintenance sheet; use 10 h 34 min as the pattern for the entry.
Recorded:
10 h 18 min
